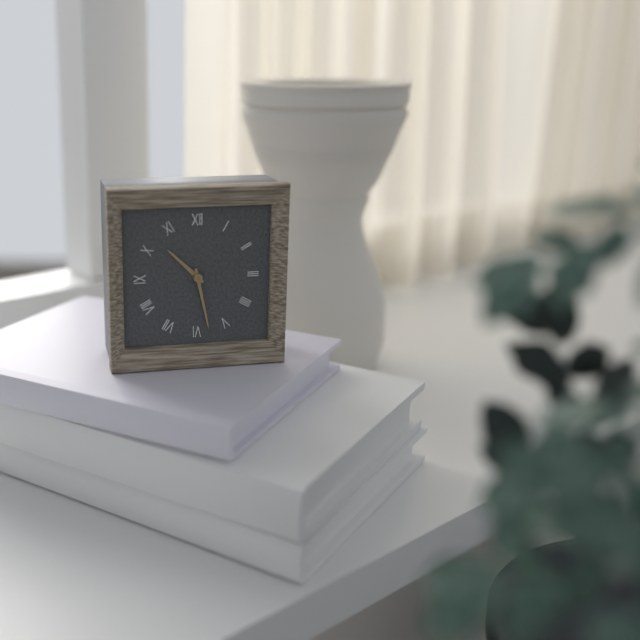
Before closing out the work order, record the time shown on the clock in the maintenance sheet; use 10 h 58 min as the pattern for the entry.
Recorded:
10 h 28 min
